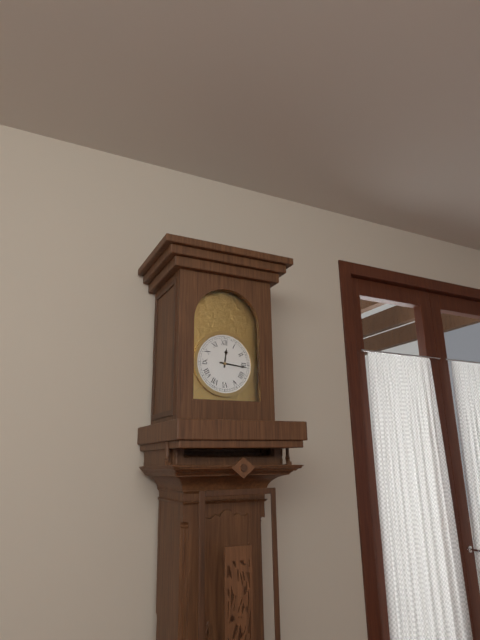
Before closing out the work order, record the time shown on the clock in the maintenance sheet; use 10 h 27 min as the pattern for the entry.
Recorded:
12 h 16 min
